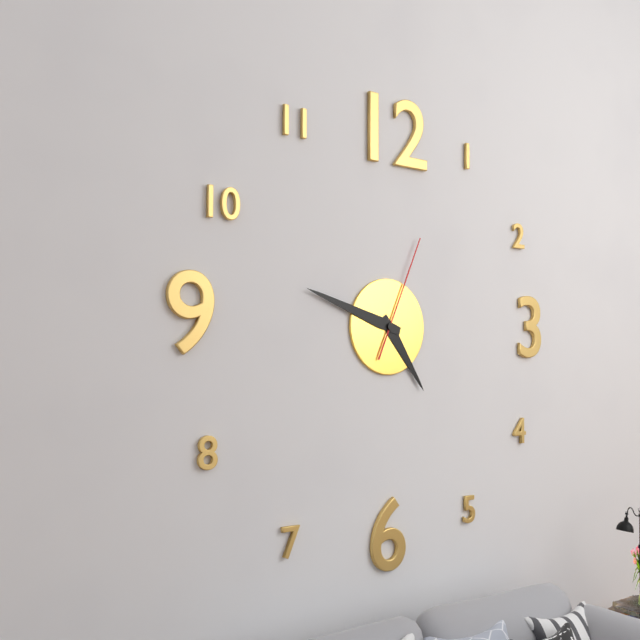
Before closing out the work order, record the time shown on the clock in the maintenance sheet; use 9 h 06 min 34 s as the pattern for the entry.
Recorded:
4 h 48 min 04 s
